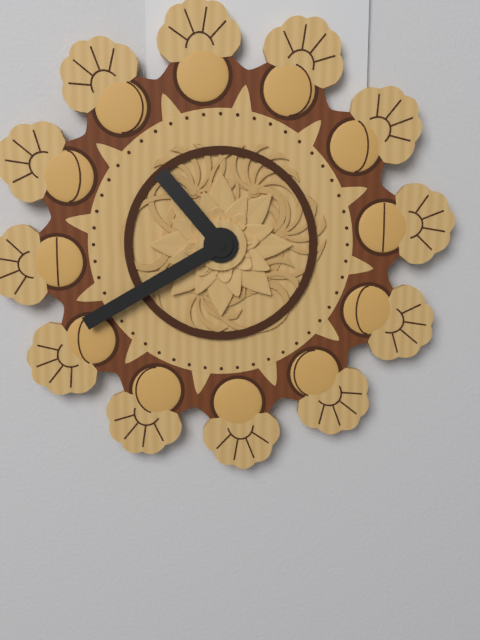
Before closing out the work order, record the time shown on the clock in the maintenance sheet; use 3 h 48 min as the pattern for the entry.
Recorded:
10 h 40 min
